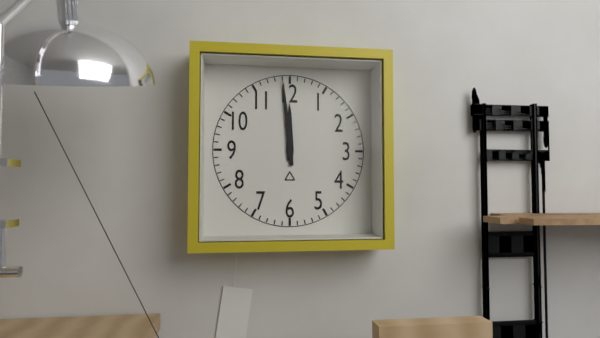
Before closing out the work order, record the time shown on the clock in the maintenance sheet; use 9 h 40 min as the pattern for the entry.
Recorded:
11 h 59 min
